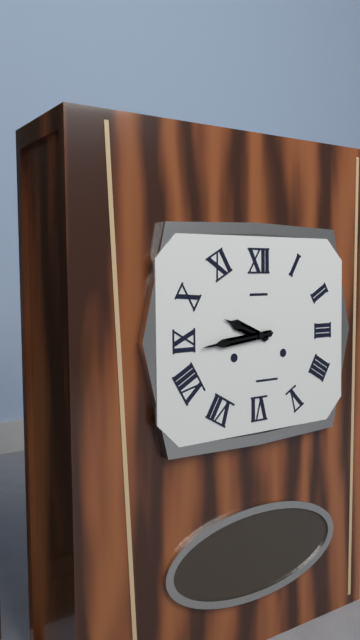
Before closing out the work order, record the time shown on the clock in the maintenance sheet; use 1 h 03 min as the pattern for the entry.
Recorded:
9 h 44 min
